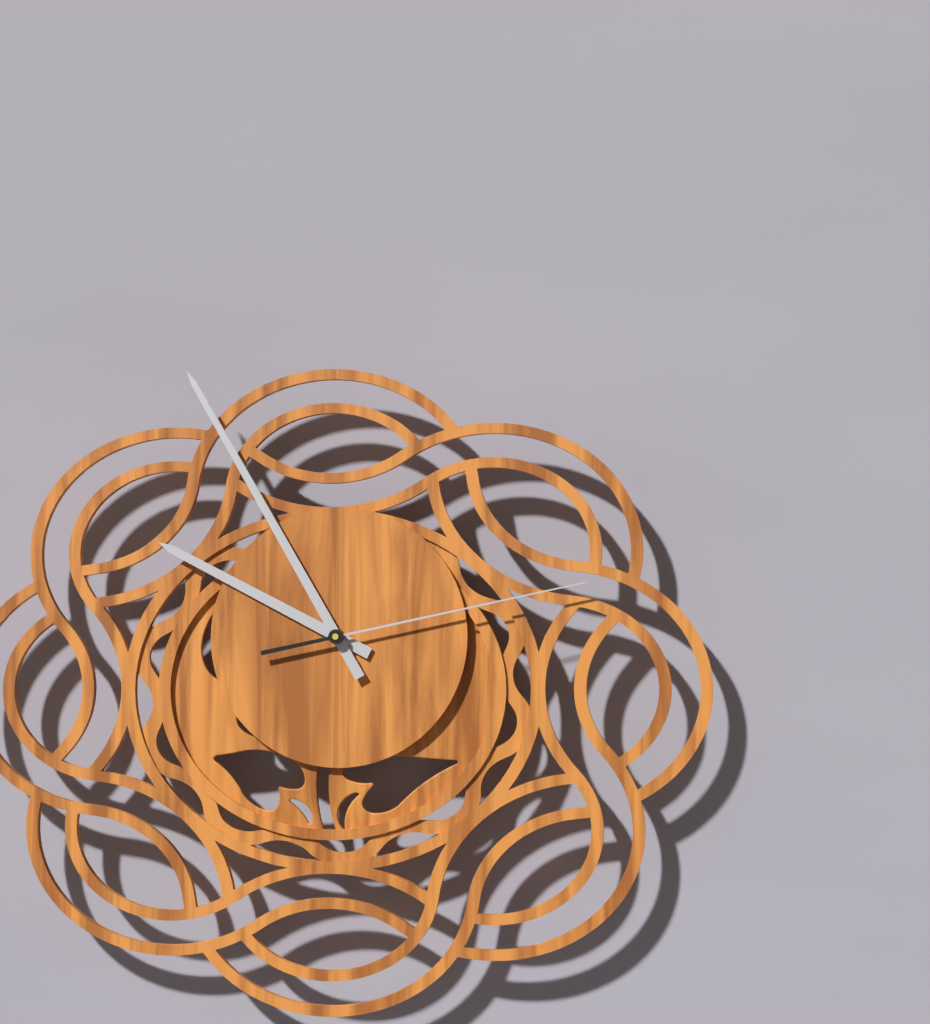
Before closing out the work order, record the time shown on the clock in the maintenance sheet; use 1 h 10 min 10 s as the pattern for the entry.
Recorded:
9 h 55 min 13 s
